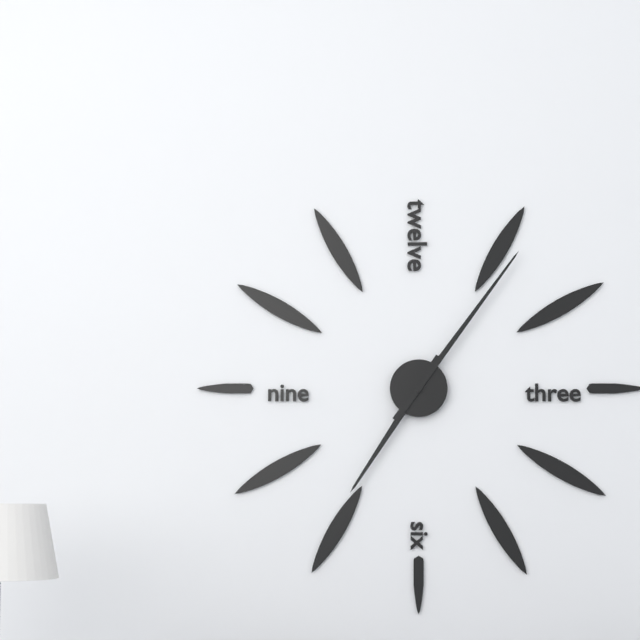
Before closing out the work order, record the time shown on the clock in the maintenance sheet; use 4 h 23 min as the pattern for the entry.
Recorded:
7 h 06 min
